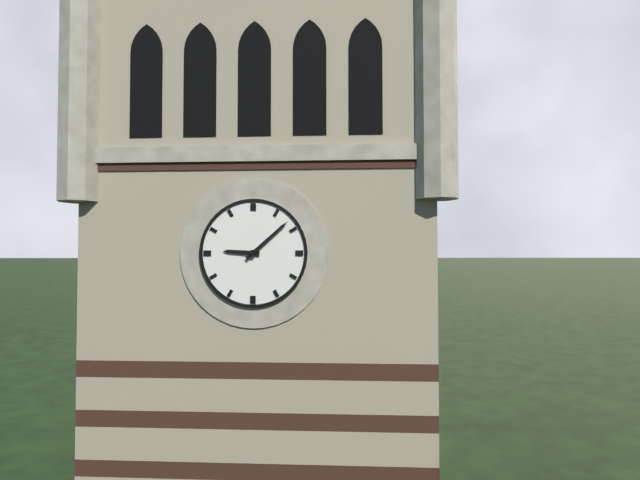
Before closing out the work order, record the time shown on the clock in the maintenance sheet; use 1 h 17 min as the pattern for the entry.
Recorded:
9 h 08 min
